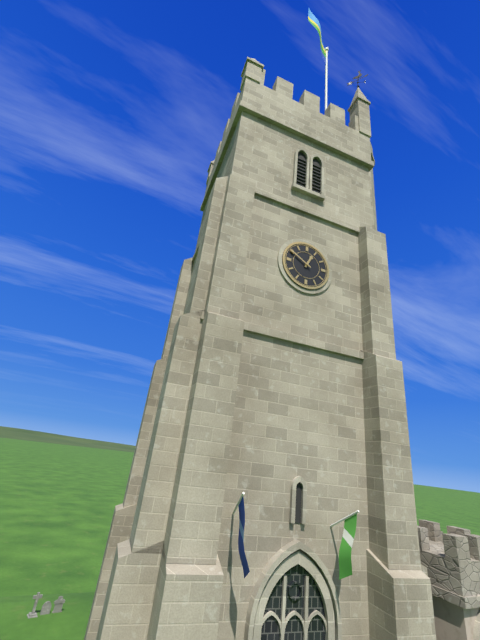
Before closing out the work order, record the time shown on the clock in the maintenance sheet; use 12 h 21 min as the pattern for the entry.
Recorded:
12 h 50 min
